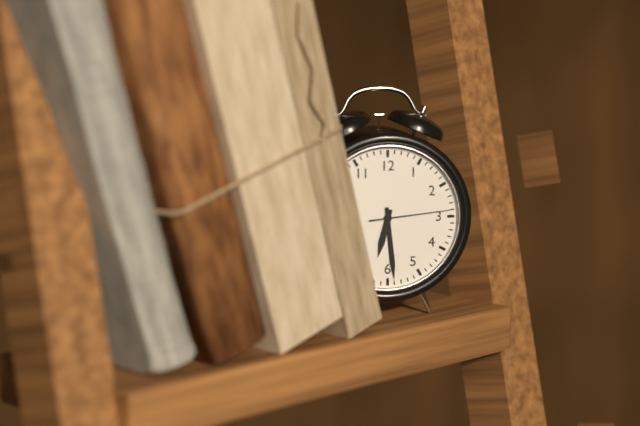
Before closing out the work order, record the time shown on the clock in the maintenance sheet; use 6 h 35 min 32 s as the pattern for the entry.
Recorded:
6 h 29 min 14 s
